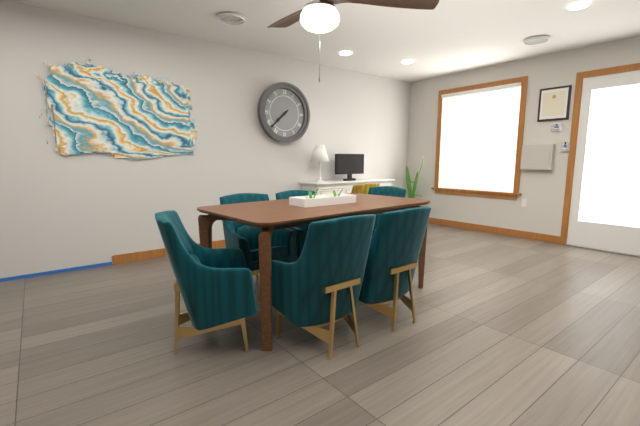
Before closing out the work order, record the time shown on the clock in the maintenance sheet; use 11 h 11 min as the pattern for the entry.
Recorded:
7 h 38 min
